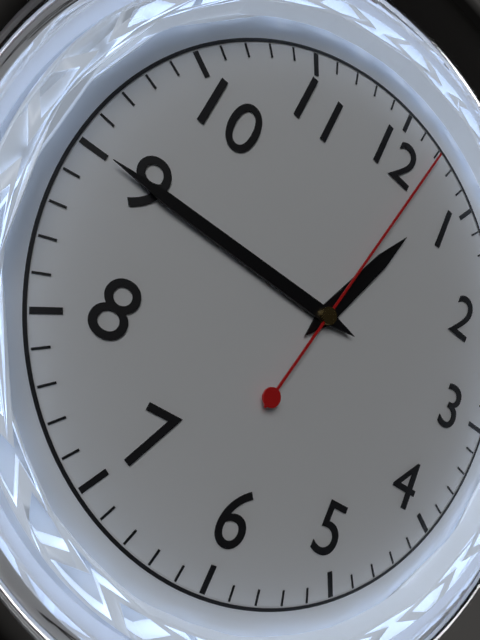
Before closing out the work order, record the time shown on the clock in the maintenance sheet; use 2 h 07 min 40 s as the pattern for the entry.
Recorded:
12 h 45 min 02 s
